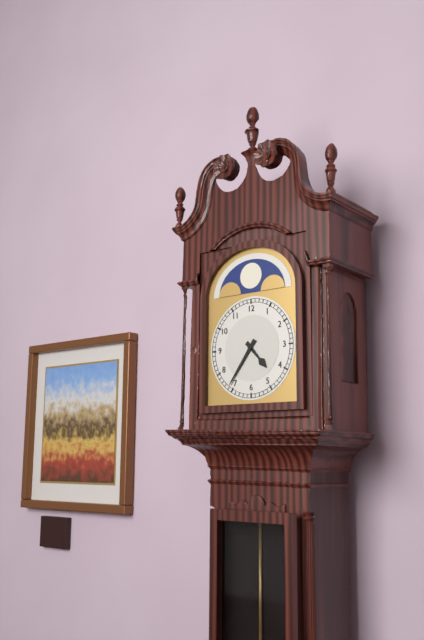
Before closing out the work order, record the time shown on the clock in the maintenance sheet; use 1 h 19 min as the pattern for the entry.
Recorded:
4 h 36 min
